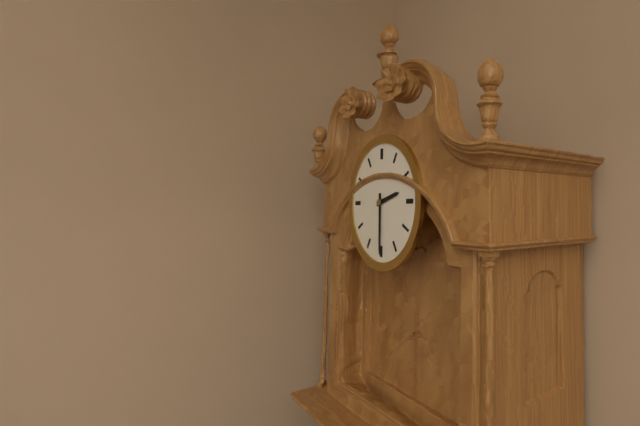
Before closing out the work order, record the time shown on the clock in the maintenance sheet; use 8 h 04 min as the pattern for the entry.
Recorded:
2 h 30 min
